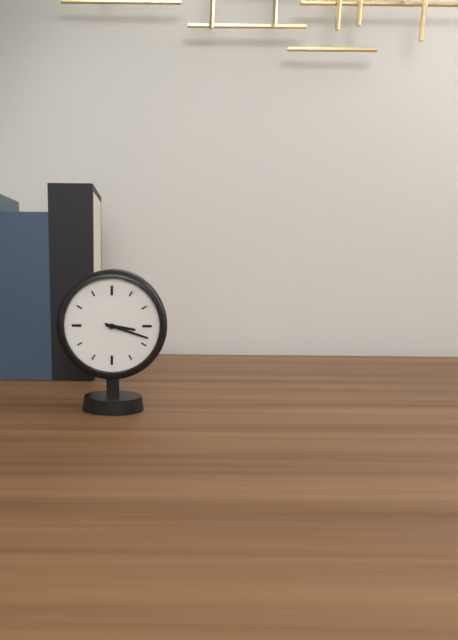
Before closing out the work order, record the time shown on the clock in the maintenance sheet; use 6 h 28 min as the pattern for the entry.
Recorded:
3 h 18 min
